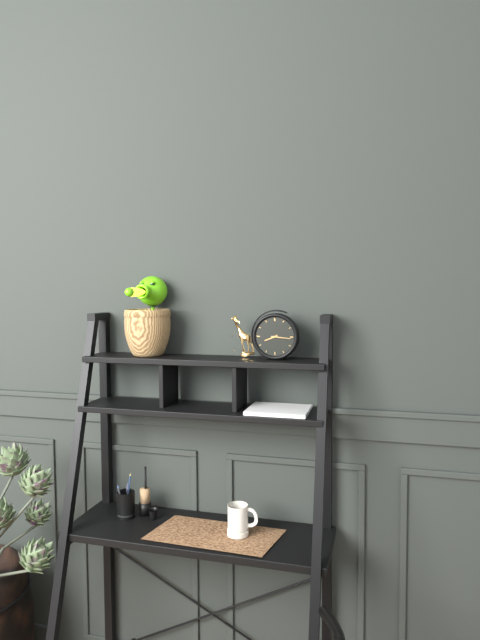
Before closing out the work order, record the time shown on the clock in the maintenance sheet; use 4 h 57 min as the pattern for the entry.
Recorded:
8 h 16 min
